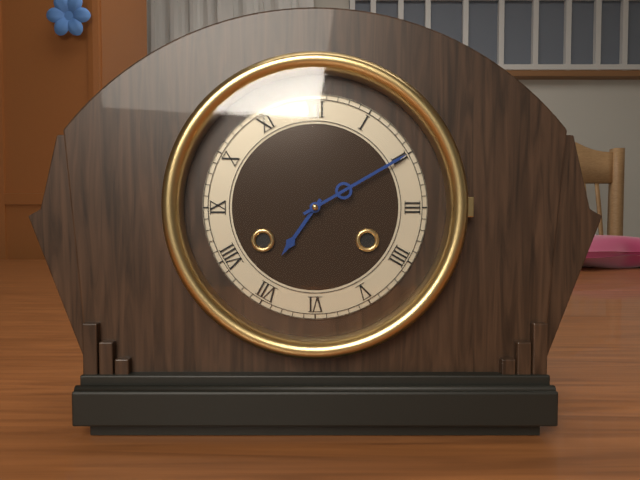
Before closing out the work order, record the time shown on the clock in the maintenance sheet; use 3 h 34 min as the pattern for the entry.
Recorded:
7 h 10 min
